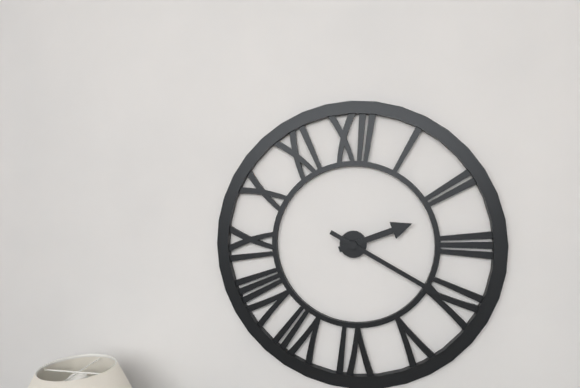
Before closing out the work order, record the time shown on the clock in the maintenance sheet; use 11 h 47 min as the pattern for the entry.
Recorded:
2 h 20 min
